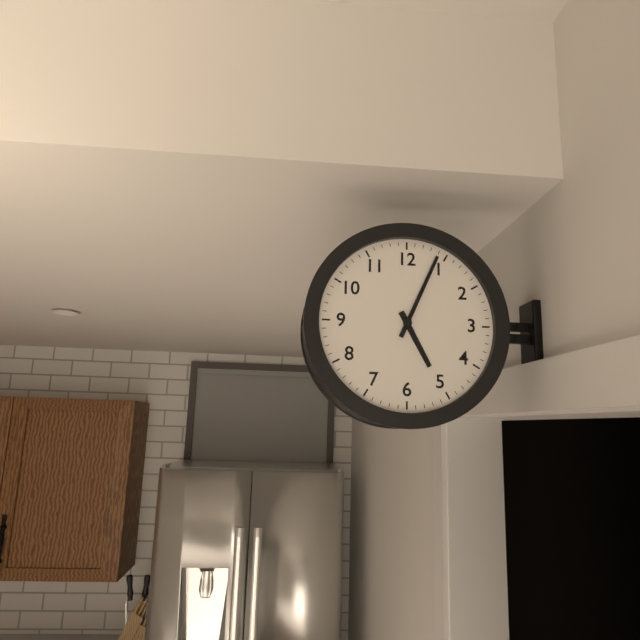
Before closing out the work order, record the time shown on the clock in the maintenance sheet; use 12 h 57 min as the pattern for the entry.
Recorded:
5 h 04 min
